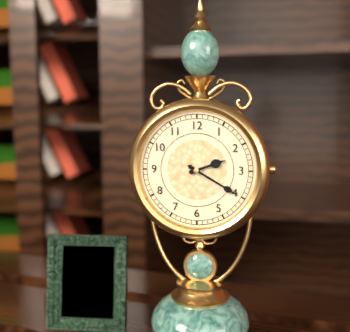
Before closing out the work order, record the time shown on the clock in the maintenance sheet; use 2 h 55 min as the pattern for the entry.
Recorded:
2 h 20 min
